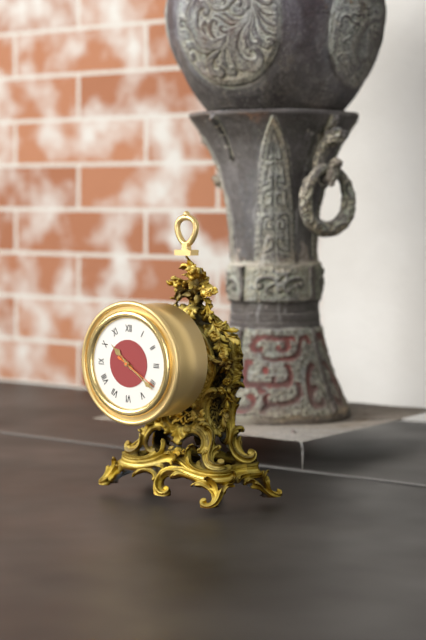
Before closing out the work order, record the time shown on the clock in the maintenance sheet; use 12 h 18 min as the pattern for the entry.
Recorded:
10 h 21 min
